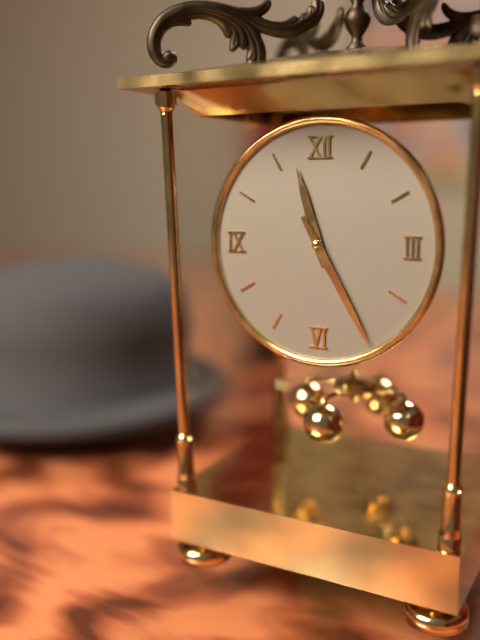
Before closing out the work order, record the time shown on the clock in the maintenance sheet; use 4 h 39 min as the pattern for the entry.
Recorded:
11 h 25 min
